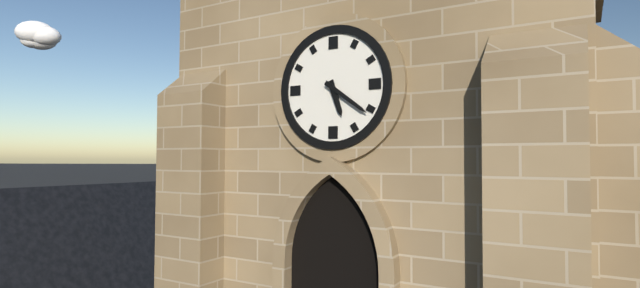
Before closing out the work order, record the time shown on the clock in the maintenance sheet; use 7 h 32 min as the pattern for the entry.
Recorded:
5 h 21 min
